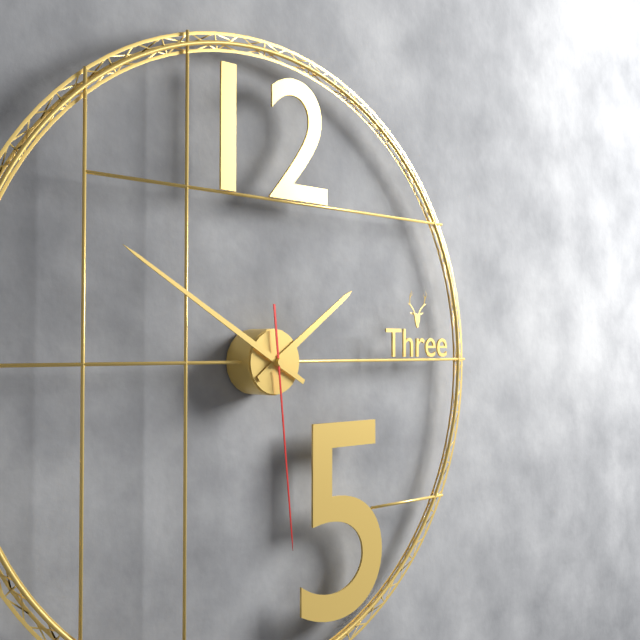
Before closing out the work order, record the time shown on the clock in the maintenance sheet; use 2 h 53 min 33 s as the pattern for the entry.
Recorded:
1 h 50 min 29 s
